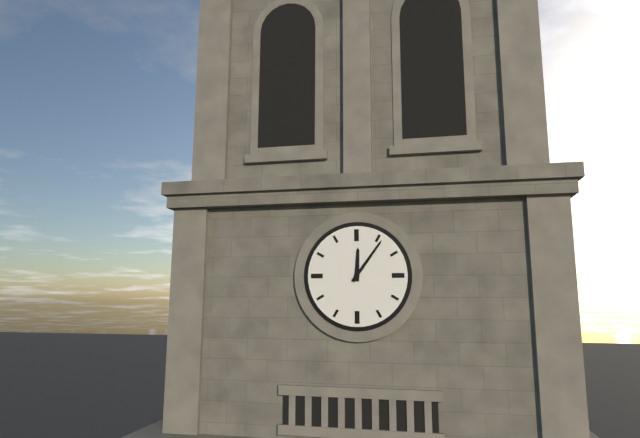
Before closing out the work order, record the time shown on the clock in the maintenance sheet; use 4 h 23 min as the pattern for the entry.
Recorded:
12 h 06 min
